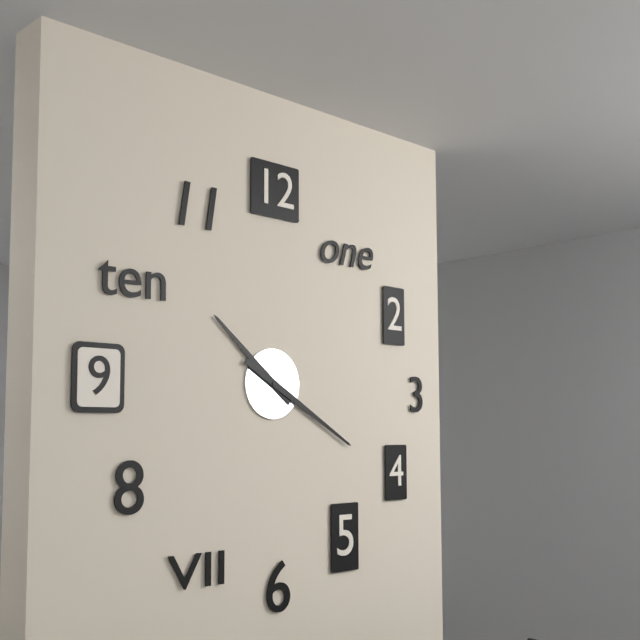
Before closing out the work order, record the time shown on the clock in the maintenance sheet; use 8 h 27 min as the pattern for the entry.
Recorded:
10 h 20 min
